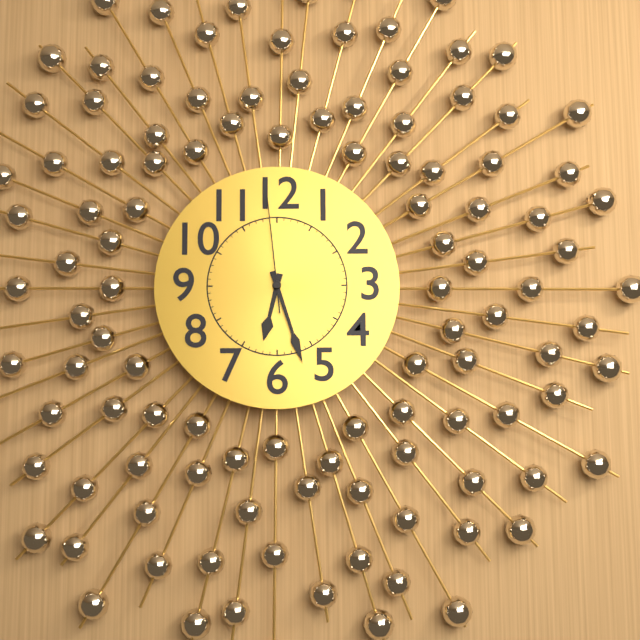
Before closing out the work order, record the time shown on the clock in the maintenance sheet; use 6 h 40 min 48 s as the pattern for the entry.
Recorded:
6 h 27 min 59 s
